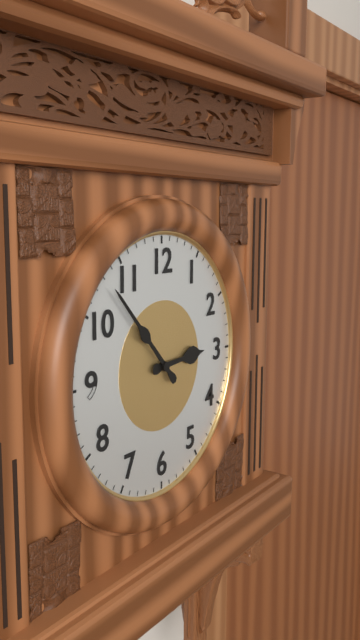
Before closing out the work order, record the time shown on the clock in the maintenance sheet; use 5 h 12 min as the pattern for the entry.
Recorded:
2 h 53 min
